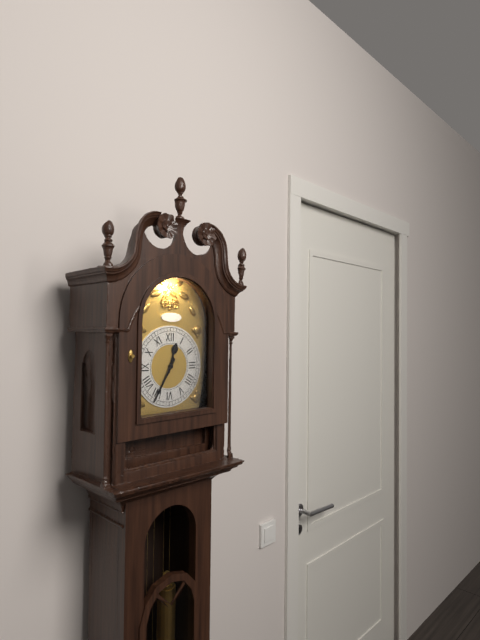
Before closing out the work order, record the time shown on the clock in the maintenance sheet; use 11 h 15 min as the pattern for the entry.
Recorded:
12 h 35 min
